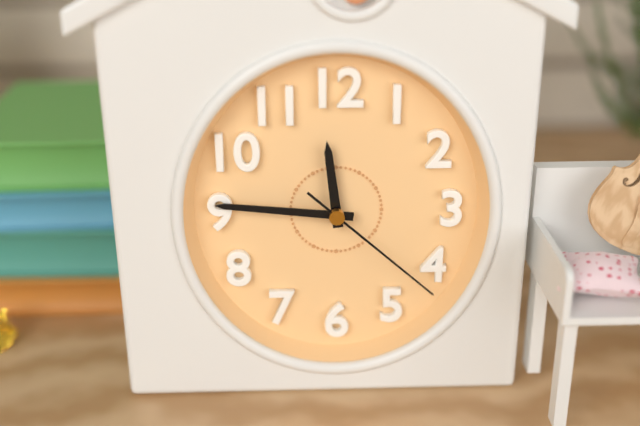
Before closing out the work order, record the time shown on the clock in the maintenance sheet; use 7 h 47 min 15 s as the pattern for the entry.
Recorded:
11 h 46 min 22 s
